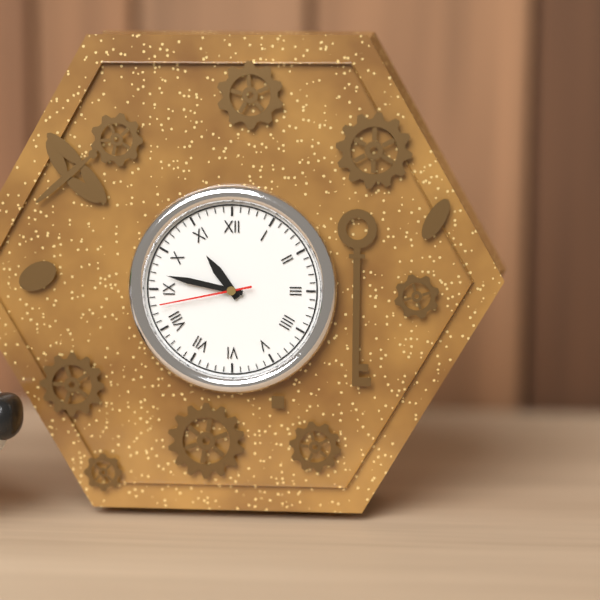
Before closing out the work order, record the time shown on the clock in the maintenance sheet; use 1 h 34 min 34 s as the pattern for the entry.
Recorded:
10 h 47 min 43 s
